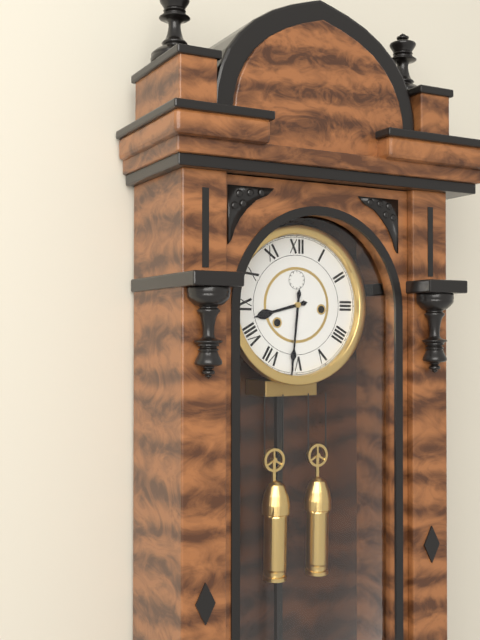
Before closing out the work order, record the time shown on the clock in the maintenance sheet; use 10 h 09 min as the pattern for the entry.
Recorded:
8 h 31 min
